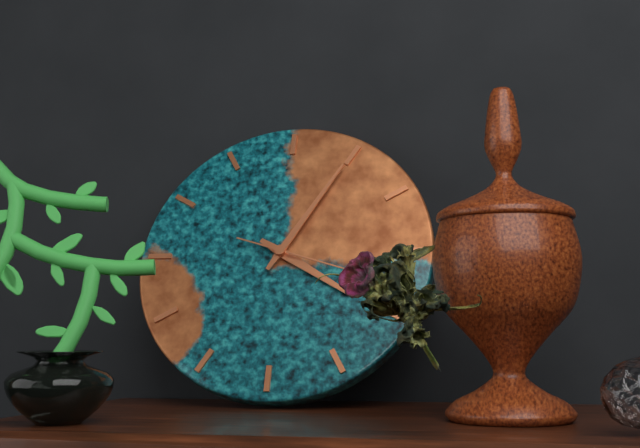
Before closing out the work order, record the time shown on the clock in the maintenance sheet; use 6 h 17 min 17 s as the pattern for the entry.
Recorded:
4 h 05 min 18 s
